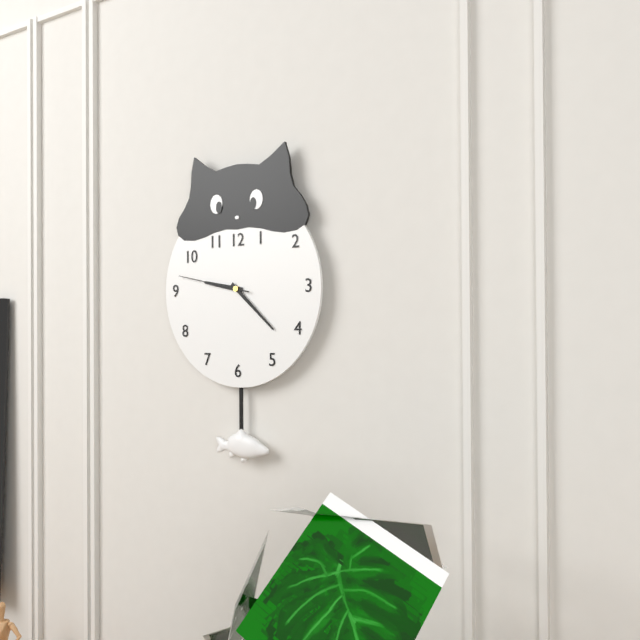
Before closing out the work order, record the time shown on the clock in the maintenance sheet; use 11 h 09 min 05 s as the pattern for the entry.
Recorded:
9 h 22 min 47 s
